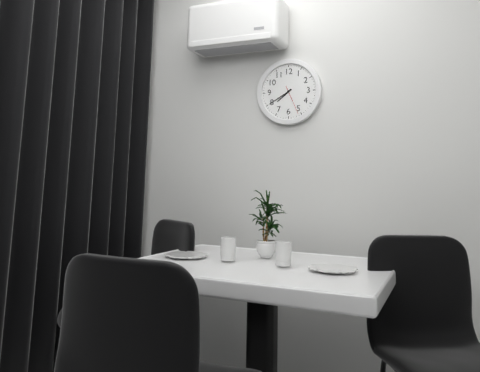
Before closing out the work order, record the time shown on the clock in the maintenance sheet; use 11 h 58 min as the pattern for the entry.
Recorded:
7 h 40 min
